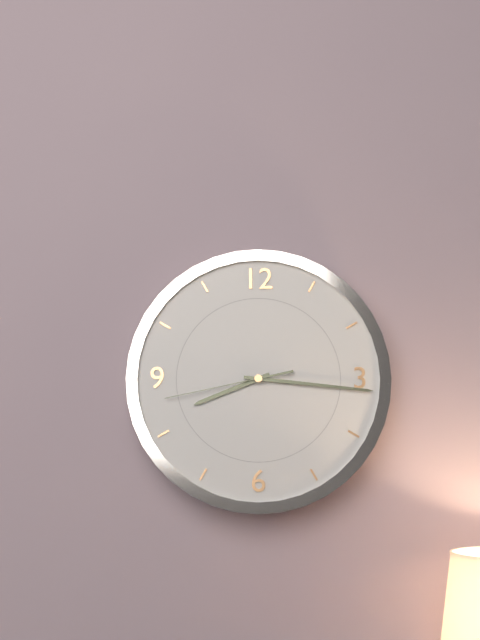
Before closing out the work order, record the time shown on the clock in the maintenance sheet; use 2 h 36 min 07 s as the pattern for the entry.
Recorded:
8 h 16 min 43 s
